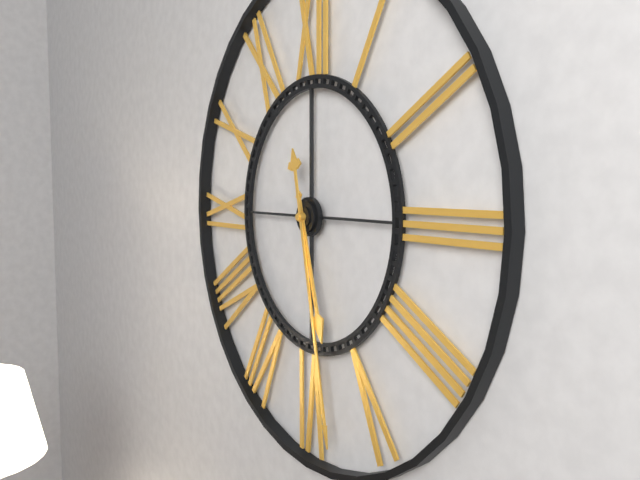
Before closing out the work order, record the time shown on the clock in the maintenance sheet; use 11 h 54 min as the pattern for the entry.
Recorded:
5 h 28 min
